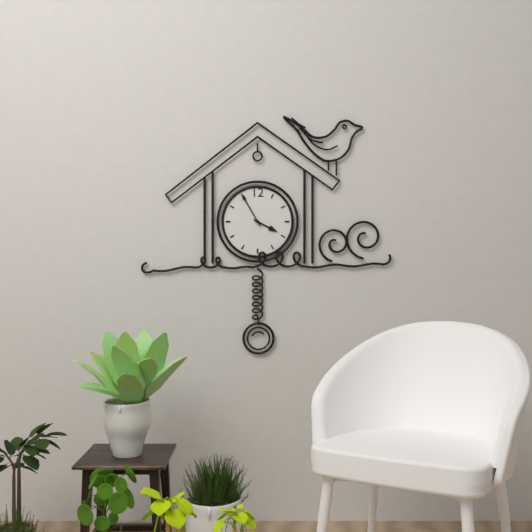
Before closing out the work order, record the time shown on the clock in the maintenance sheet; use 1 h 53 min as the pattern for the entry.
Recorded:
3 h 55 min
